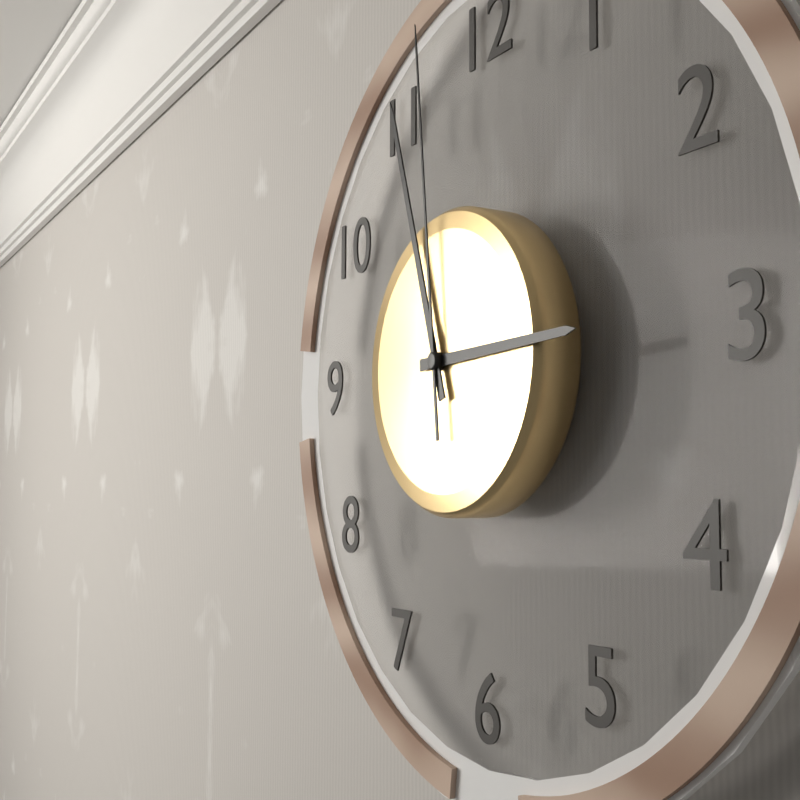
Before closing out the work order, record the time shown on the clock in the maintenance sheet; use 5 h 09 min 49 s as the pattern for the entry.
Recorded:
2 h 57 min 59 s
